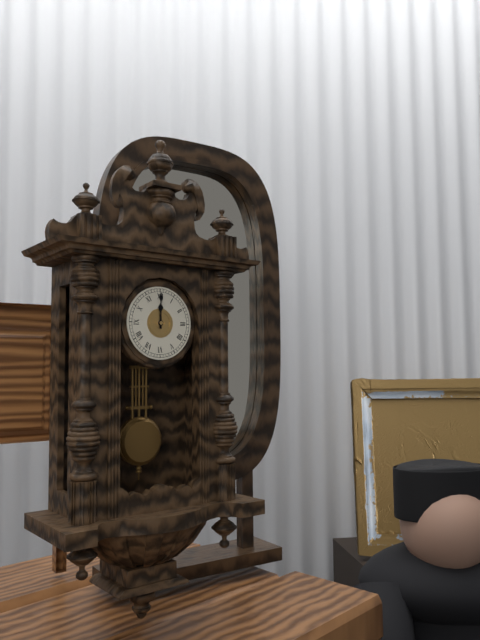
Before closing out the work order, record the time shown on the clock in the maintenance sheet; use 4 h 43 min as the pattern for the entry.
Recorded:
12 h 00 min
